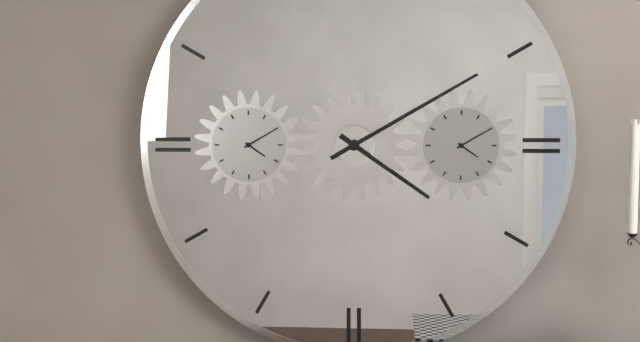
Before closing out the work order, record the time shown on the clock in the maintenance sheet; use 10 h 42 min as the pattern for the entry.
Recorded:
4 h 10 min
